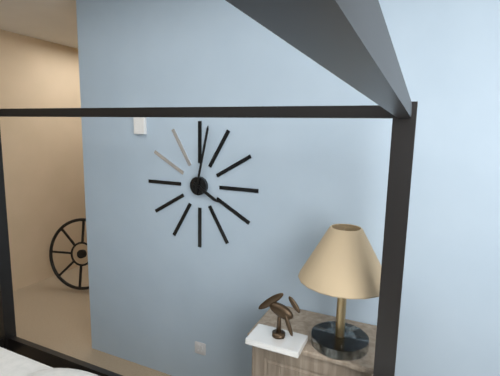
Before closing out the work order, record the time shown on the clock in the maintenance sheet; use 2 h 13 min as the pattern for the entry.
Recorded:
4 h 02 min
